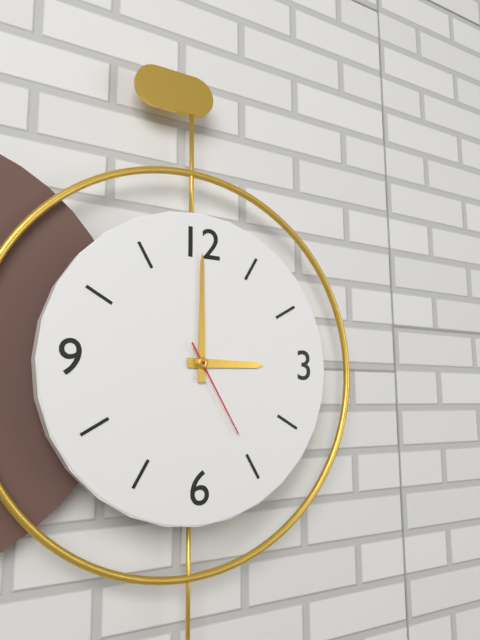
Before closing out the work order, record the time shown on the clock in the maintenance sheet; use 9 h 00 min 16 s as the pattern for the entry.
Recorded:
3 h 00 min 25 s
